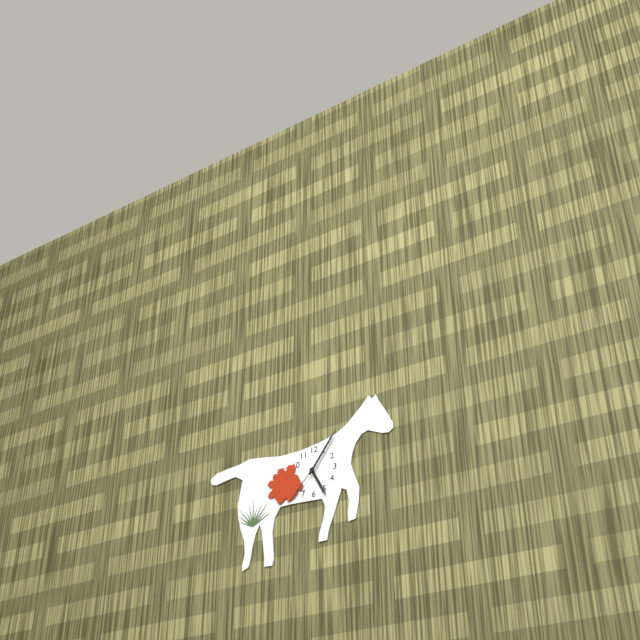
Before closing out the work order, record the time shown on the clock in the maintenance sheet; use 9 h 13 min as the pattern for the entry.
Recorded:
5 h 06 min
